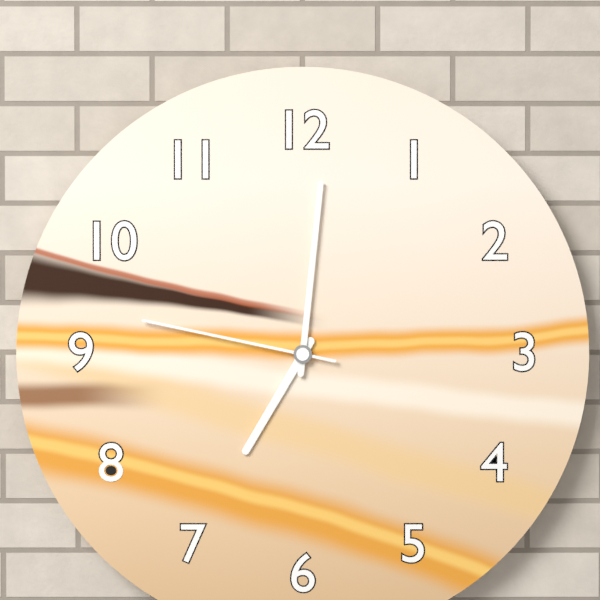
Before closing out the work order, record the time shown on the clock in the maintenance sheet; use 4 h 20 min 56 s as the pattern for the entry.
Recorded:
7 h 01 min 47 s
